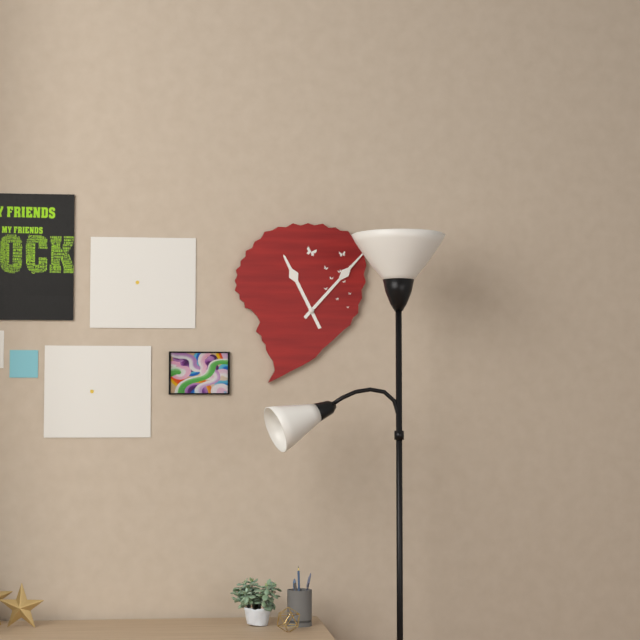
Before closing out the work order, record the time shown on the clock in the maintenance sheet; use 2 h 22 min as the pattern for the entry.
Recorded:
11 h 07 min
